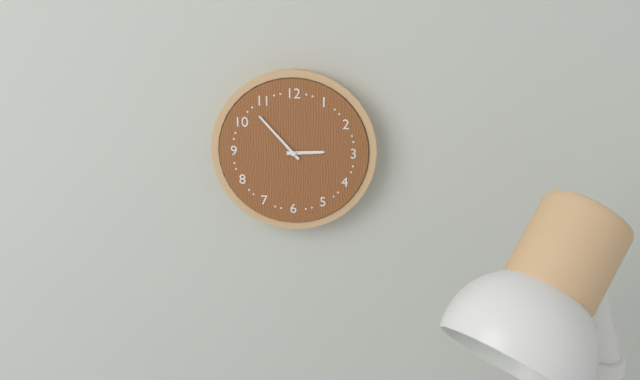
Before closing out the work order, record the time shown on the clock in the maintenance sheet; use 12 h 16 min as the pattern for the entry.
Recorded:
2 h 53 min
